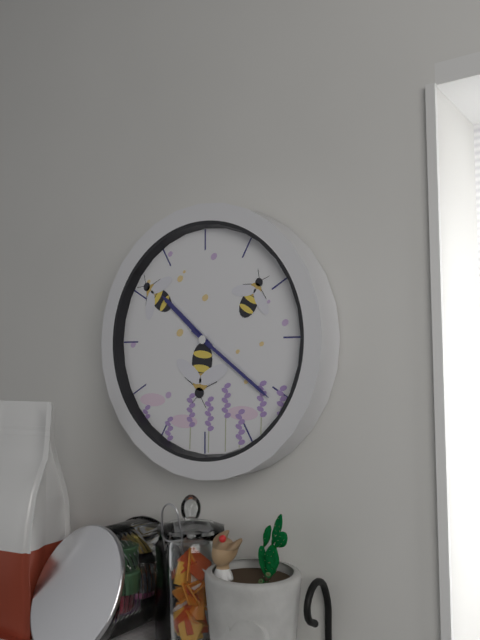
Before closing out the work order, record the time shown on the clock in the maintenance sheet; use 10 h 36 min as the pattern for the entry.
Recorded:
10 h 21 min
